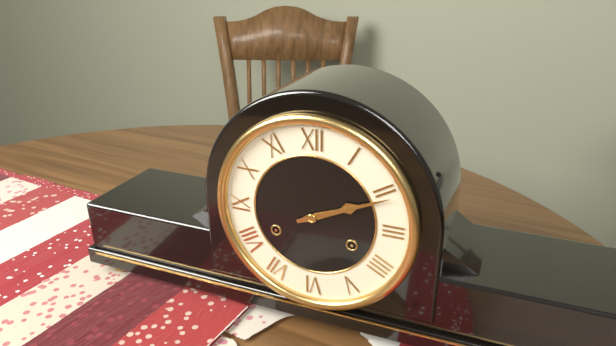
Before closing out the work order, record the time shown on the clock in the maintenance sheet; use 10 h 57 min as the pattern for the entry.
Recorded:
2 h 11 min
